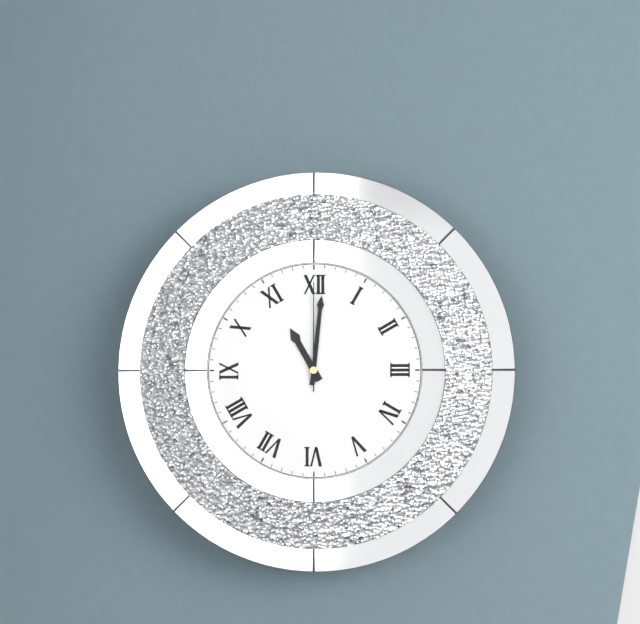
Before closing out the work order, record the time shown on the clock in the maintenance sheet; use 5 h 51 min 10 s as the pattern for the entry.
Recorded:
11 h 01 min 00 s
